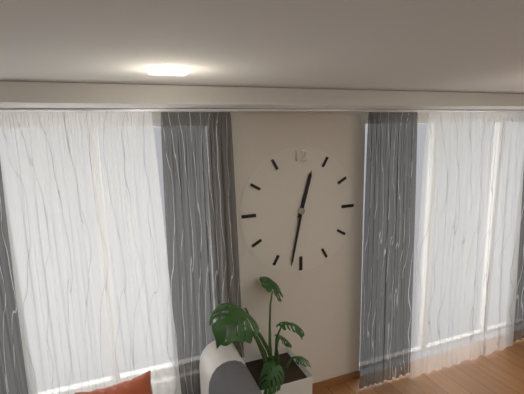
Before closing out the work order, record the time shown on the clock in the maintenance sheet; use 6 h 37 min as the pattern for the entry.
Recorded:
12 h 32 min
